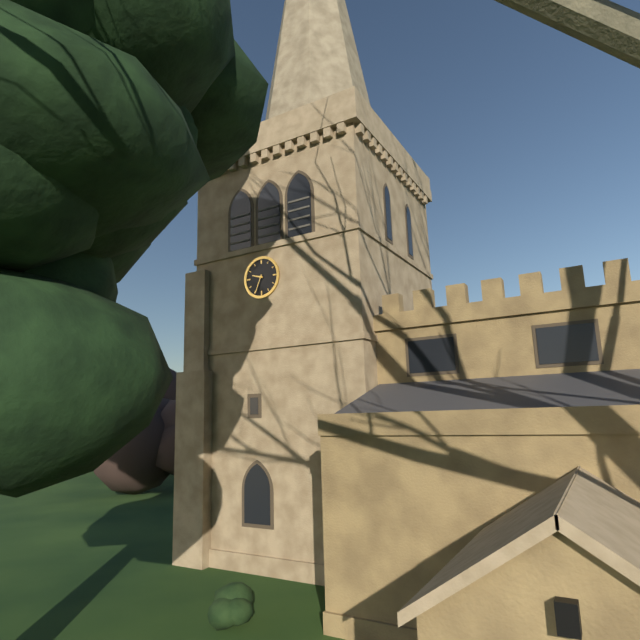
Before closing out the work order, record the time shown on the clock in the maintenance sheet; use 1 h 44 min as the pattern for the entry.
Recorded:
9 h 34 min
